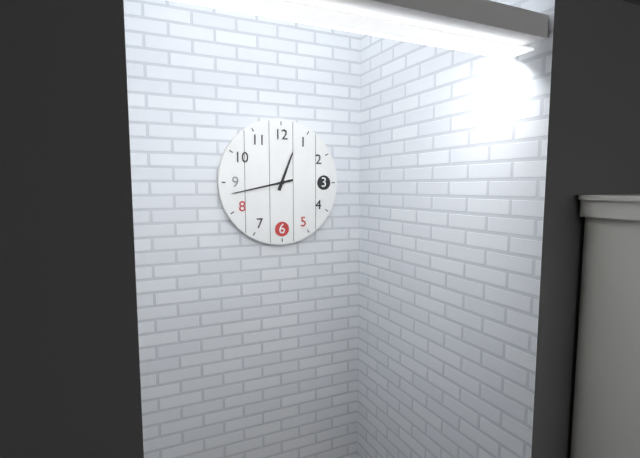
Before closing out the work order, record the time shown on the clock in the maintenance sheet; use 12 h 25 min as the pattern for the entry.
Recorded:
12 h 43 min
